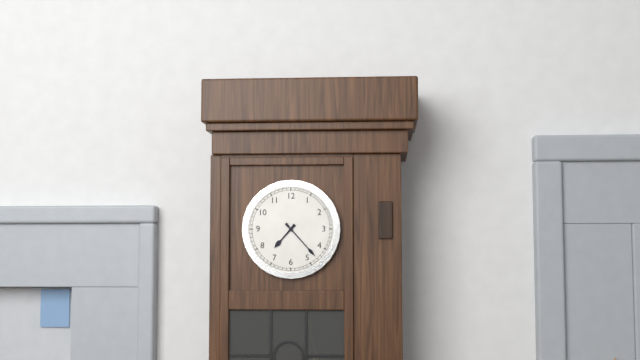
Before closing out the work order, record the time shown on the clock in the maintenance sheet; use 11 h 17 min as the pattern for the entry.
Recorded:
7 h 23 min
